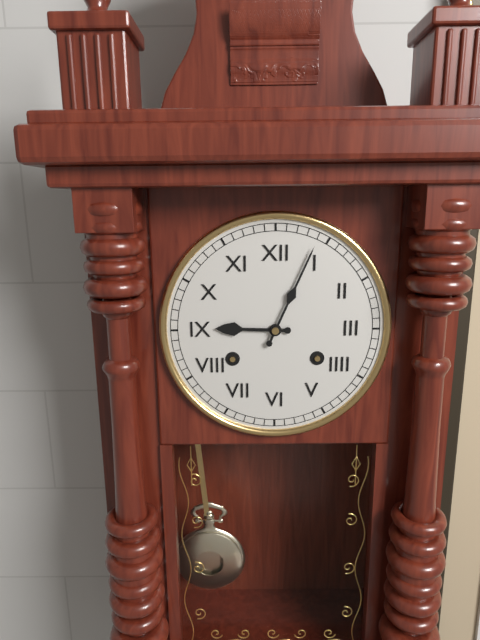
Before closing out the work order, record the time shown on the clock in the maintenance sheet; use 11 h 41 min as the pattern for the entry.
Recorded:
9 h 04 min
